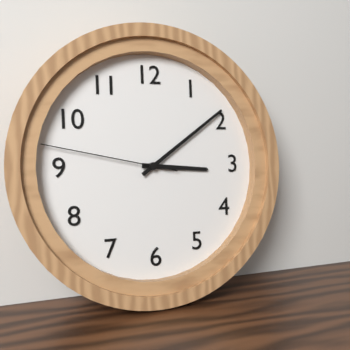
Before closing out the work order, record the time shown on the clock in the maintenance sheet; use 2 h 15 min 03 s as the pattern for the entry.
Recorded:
3 h 09 min 47 s
